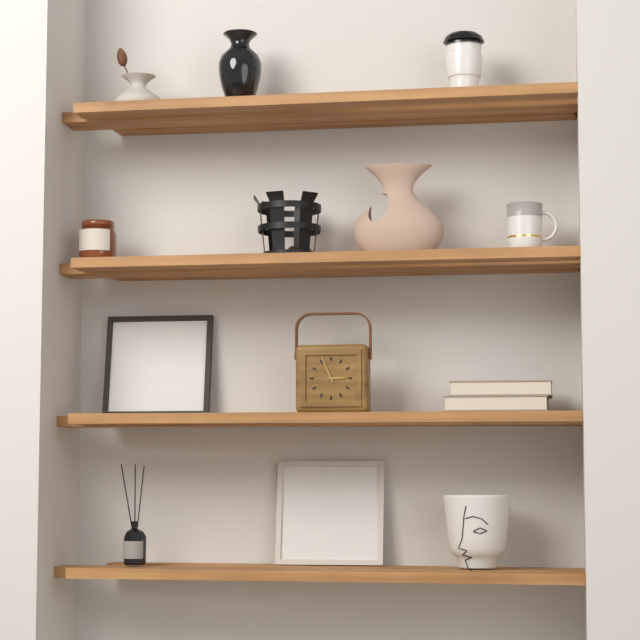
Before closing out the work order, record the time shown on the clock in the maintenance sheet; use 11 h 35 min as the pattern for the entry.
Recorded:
2 h 56 min
